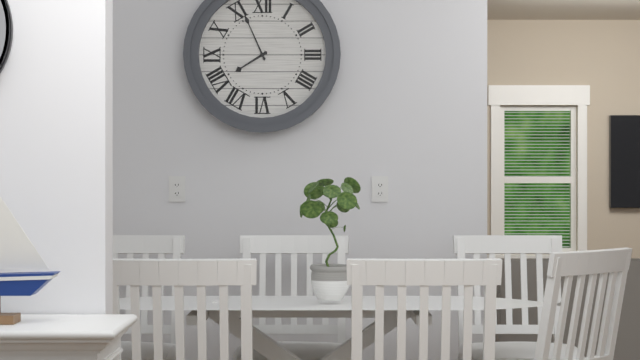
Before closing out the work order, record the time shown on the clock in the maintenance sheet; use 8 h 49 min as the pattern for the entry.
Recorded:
7 h 56 min
